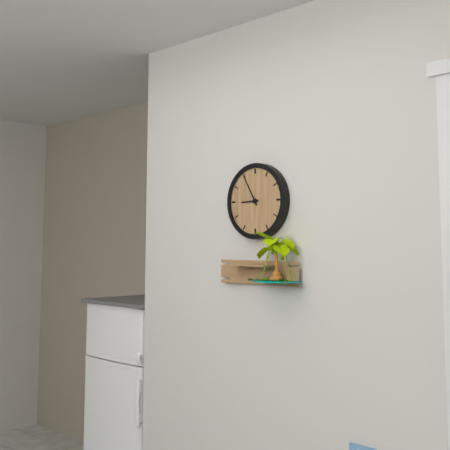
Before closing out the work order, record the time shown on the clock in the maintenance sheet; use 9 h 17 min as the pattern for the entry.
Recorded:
8 h 55 min
